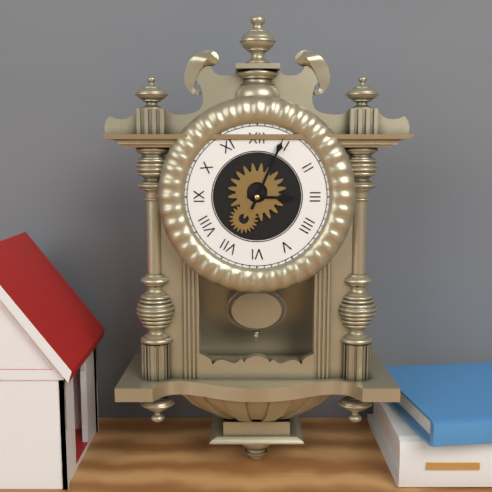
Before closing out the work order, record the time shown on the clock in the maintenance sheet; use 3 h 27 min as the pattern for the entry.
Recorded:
3 h 04 min
